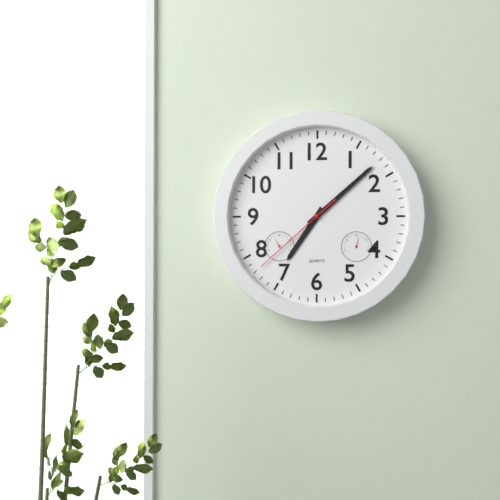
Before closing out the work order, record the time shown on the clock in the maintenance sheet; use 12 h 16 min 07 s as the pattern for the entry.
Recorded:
7 h 08 min 38 s
